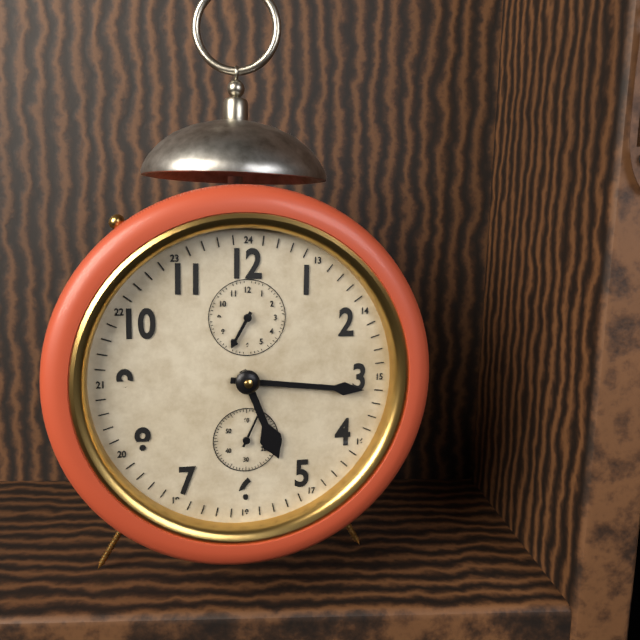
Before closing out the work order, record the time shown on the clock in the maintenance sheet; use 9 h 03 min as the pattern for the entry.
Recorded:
5 h 16 min
